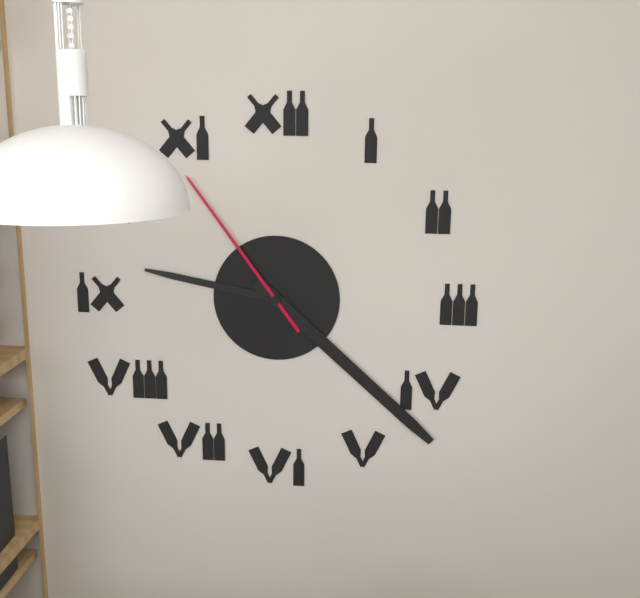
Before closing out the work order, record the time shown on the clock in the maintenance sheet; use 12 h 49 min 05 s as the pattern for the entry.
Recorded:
9 h 22 min 54 s
